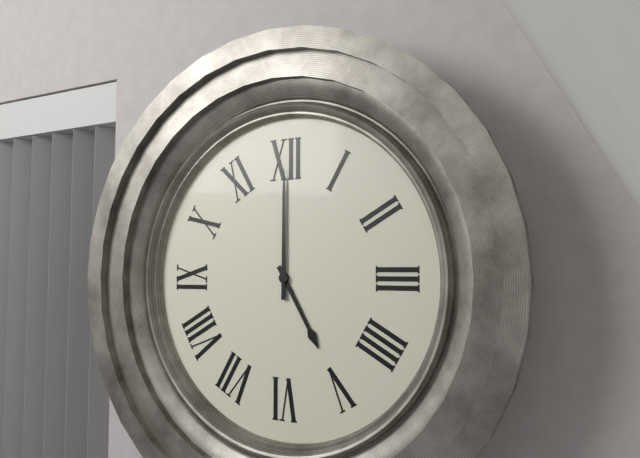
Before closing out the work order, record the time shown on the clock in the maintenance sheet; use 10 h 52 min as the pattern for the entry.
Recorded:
5 h 00 min
